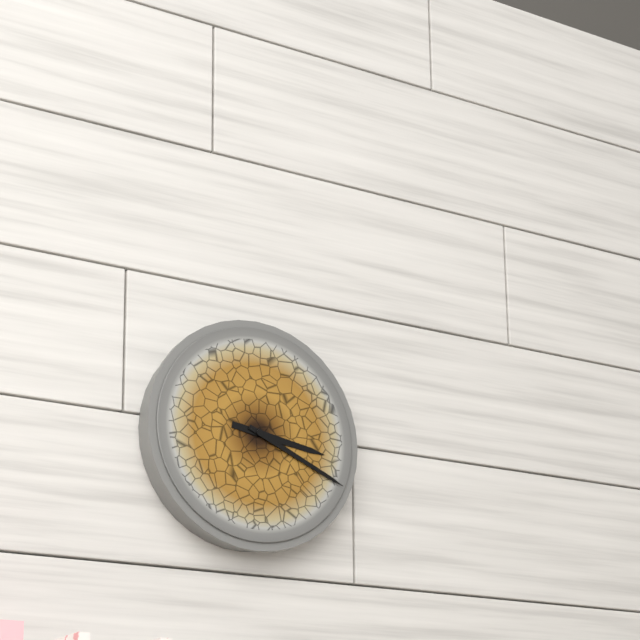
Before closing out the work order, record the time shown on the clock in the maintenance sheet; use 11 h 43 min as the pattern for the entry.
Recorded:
3 h 19 min
